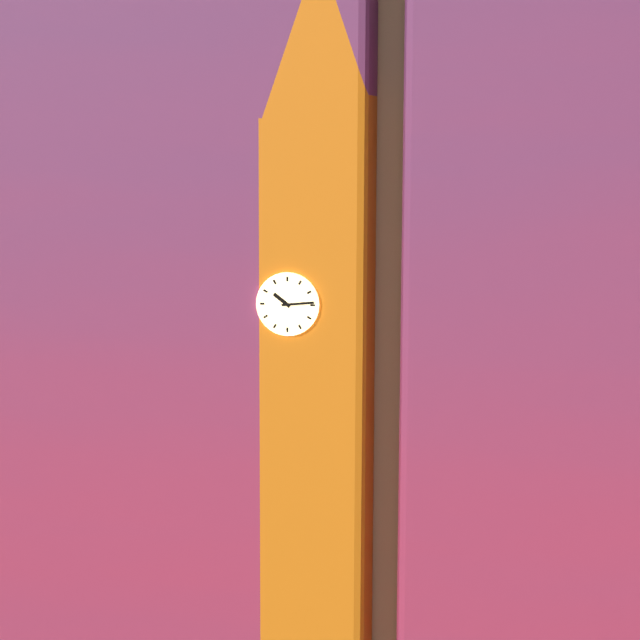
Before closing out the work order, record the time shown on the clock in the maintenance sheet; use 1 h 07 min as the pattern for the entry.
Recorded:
10 h 14 min
